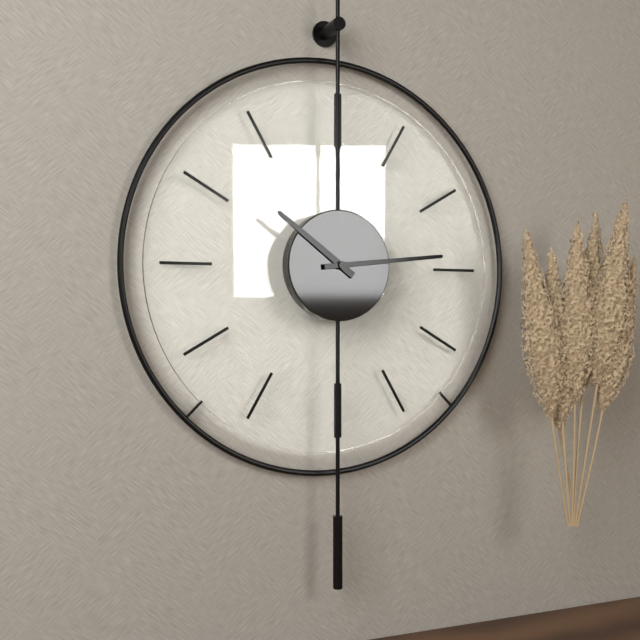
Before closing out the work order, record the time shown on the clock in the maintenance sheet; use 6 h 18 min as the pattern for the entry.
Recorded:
10 h 14 min
